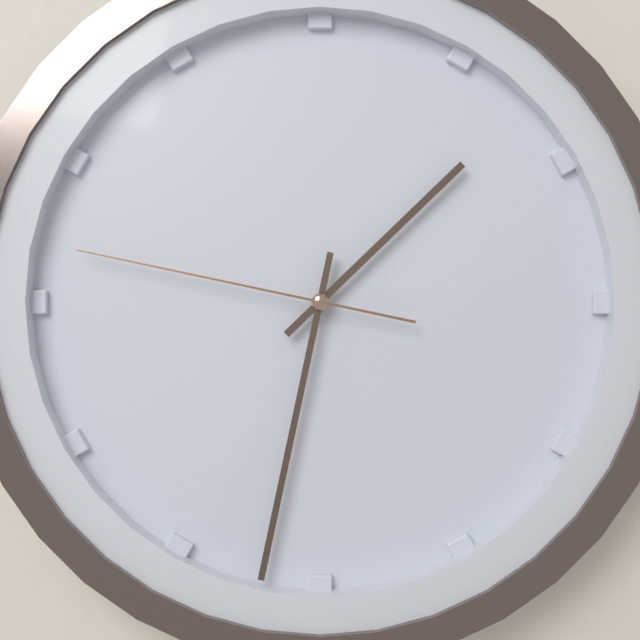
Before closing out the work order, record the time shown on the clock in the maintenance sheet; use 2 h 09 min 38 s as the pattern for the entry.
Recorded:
1 h 32 min 47 s
